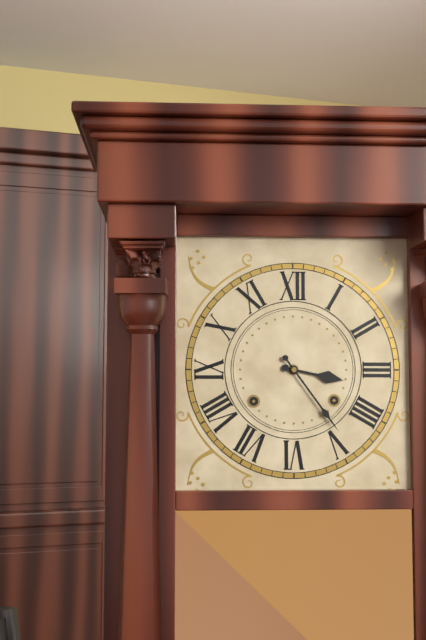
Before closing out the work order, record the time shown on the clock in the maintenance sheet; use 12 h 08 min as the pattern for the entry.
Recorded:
3 h 24 min
